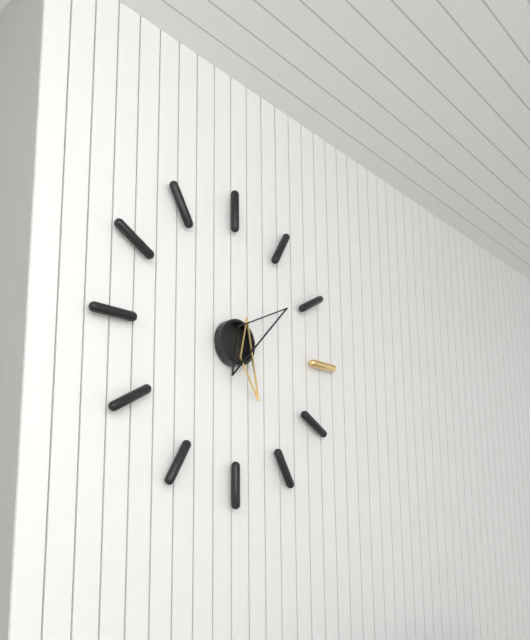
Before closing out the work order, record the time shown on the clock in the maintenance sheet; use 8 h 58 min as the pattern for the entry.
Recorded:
5 h 09 min
